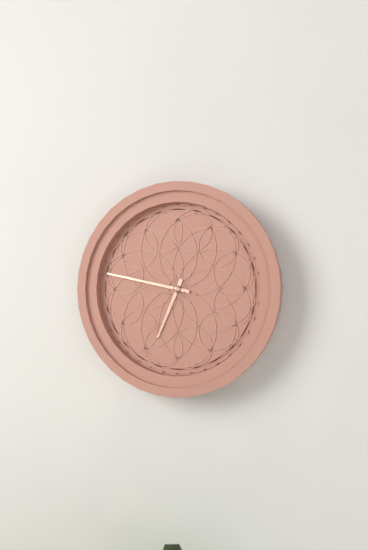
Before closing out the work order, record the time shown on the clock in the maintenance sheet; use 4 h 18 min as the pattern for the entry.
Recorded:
6 h 47 min
